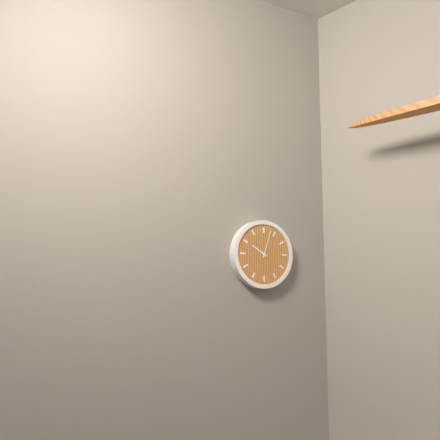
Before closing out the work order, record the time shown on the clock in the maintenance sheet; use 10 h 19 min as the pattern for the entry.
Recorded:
10 h 03 min
